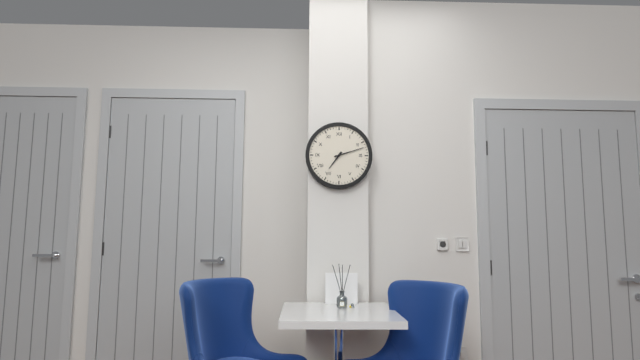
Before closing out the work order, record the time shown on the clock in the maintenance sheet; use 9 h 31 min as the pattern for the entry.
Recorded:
7 h 12 min
